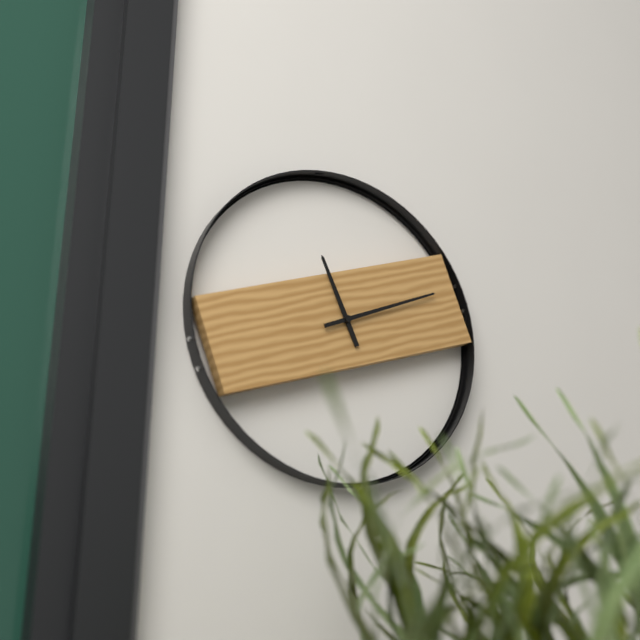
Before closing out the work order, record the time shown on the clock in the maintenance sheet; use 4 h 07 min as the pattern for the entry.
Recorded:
11 h 11 min
